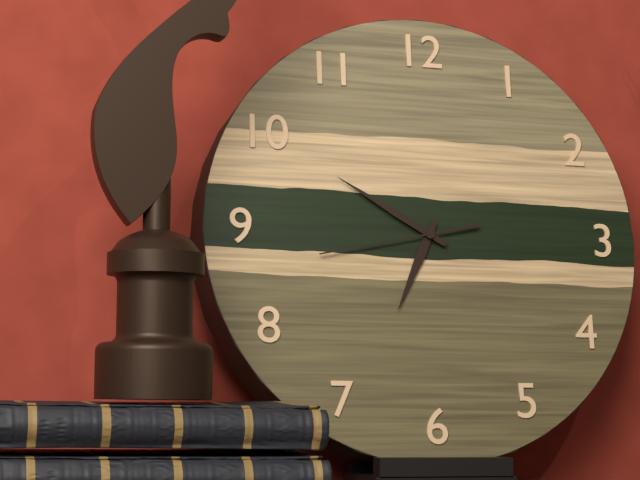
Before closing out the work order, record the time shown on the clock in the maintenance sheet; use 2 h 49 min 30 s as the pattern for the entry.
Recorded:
6 h 50 min 43 s
